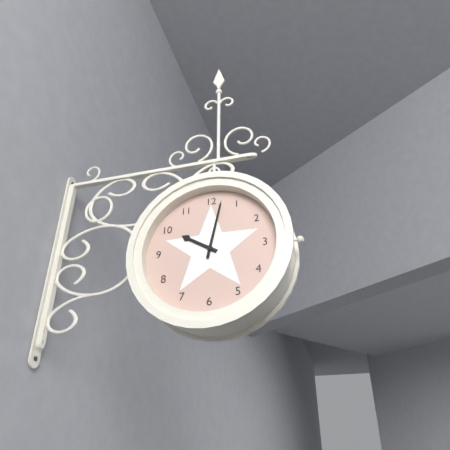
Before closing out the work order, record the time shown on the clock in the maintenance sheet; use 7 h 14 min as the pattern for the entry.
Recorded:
10 h 02 min
